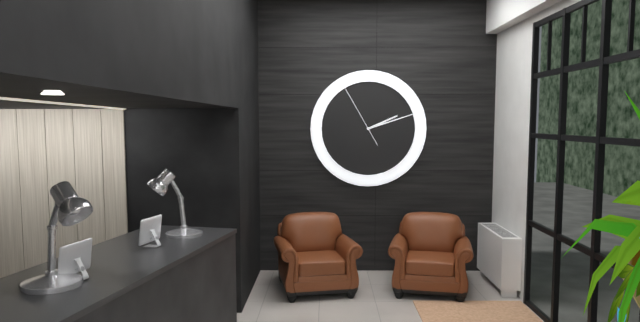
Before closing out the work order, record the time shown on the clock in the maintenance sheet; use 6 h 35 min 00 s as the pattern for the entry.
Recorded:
2 h 12 min 55 s
